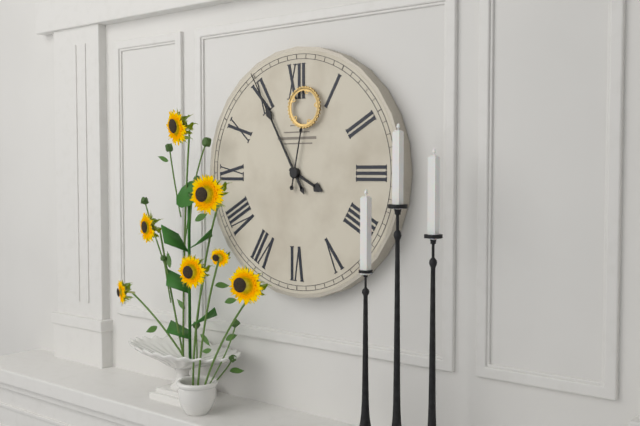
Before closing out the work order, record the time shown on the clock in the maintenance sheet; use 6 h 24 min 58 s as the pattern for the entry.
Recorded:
3 h 55 min 02 s
